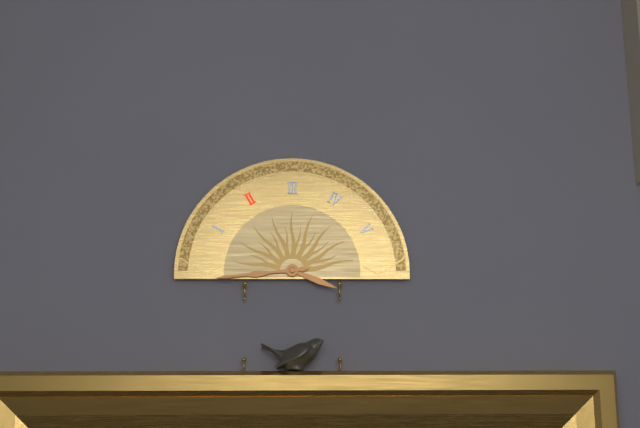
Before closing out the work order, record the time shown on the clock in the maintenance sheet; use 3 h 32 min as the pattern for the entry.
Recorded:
3 h 44 min
